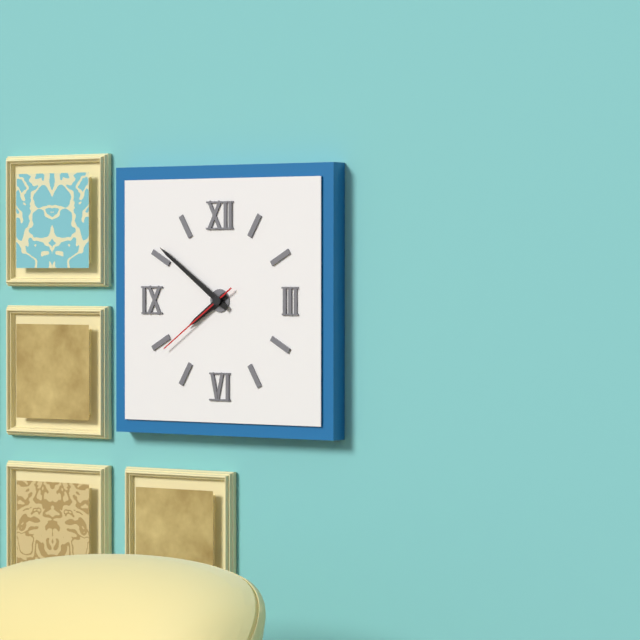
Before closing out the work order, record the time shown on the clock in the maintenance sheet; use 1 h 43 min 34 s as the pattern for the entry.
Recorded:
7 h 51 min 39 s
